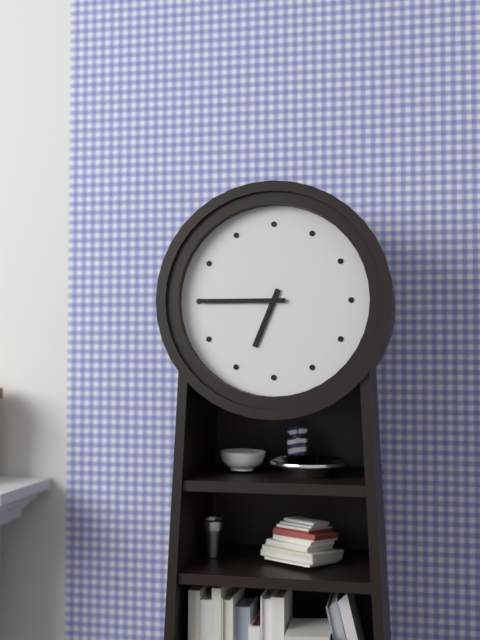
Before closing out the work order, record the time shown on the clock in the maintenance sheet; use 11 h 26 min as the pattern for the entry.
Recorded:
6 h 45 min
